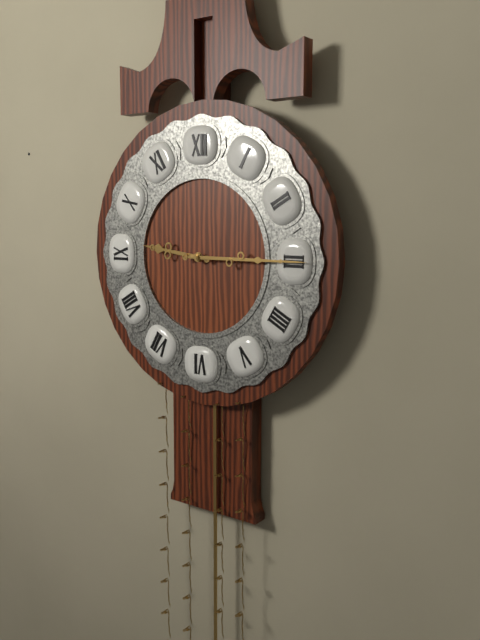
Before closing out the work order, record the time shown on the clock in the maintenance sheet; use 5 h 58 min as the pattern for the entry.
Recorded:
9 h 15 min
